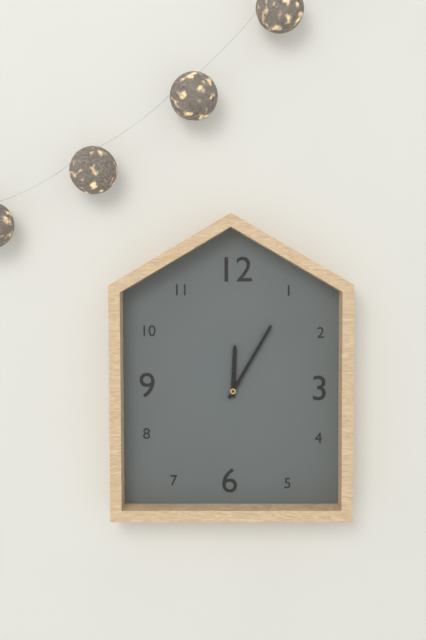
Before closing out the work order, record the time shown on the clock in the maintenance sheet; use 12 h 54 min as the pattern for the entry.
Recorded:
12 h 05 min
